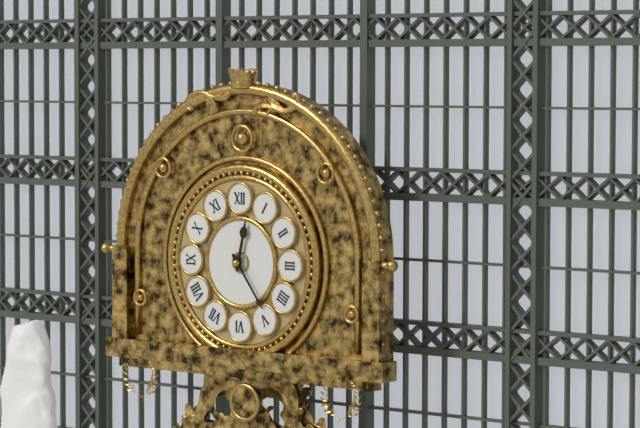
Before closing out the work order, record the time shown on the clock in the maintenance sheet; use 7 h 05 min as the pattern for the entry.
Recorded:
12 h 24 min
